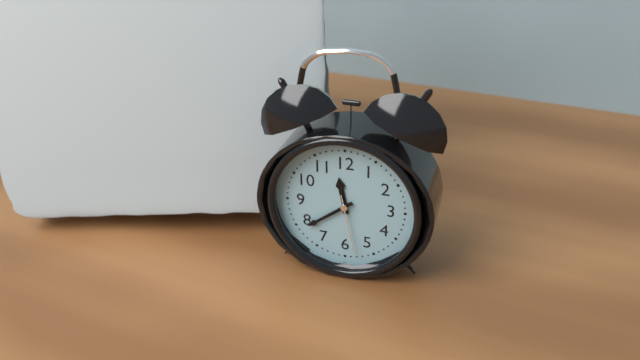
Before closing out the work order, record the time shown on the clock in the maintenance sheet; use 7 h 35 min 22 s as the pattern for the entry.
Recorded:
11 h 39 min 28 s
